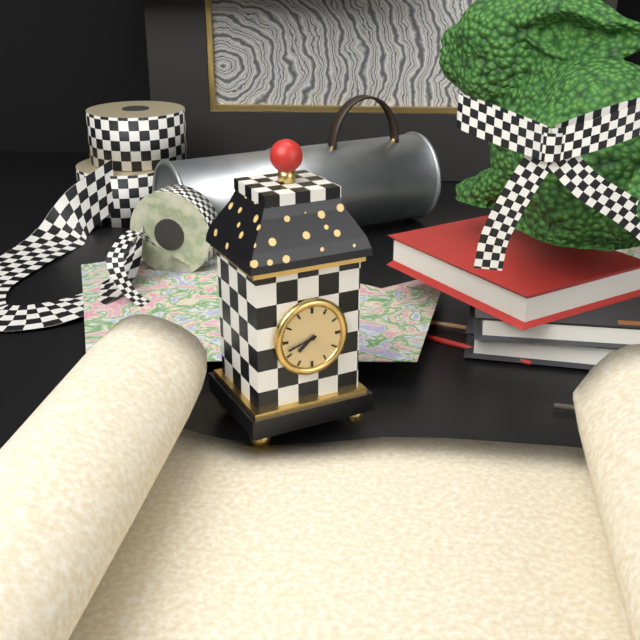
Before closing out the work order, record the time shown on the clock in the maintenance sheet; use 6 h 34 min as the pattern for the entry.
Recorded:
7 h 42 min
